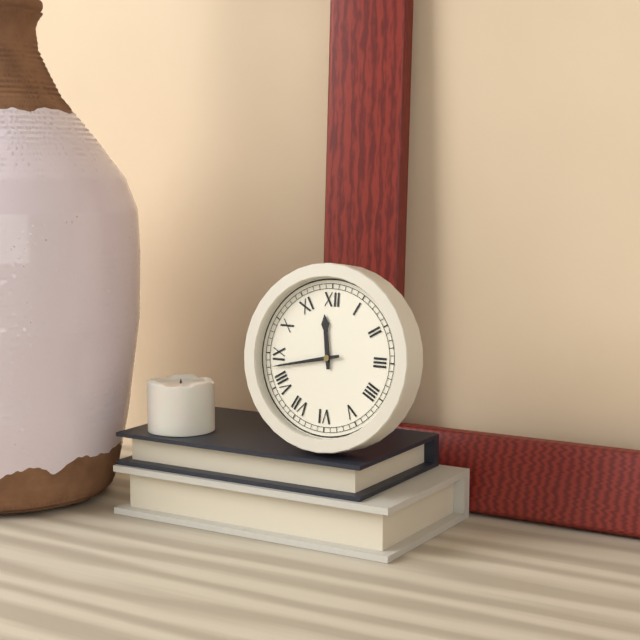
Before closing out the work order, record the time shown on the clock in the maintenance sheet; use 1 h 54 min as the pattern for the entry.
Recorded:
11 h 43 min
